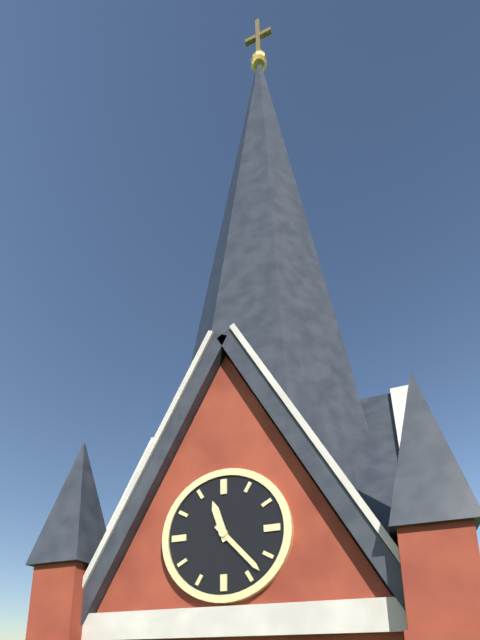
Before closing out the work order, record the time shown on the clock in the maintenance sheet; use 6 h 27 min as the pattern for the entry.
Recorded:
11 h 23 min
